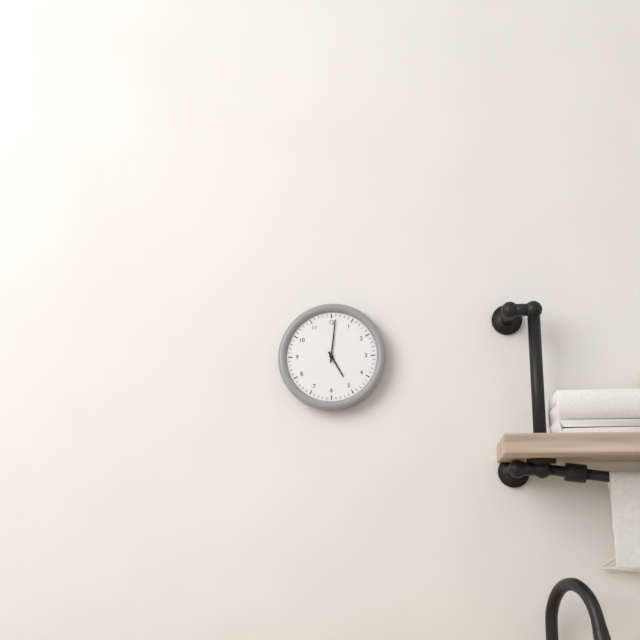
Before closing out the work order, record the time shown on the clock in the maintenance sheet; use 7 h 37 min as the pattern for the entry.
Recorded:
5 h 01 min
